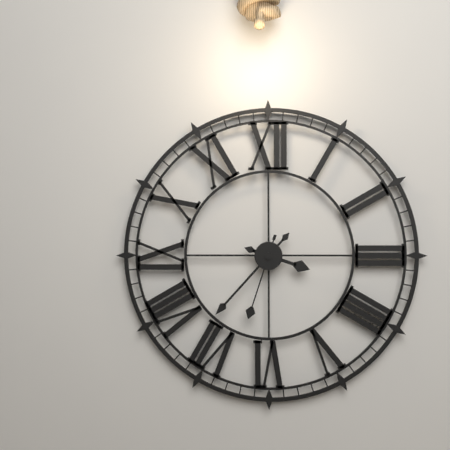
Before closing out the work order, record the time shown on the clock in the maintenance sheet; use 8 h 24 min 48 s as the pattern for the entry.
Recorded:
3 h 37 min 33 s
